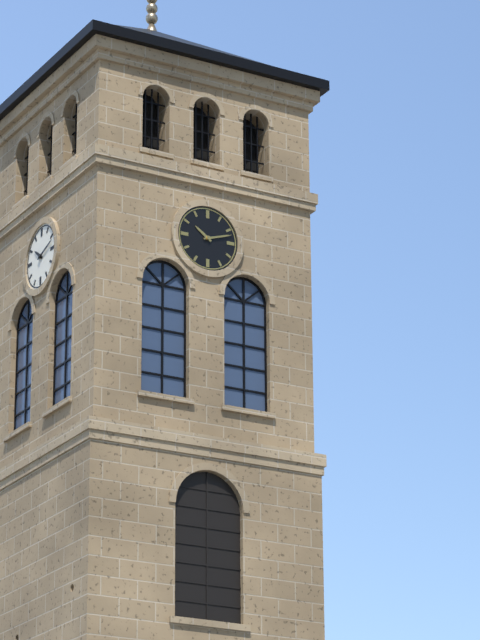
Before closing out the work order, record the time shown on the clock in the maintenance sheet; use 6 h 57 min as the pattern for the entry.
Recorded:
10 h 12 min
